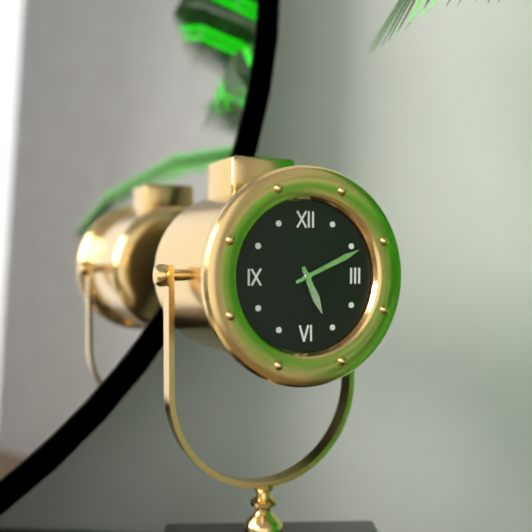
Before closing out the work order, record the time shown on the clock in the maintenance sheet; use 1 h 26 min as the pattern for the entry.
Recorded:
5 h 11 min
